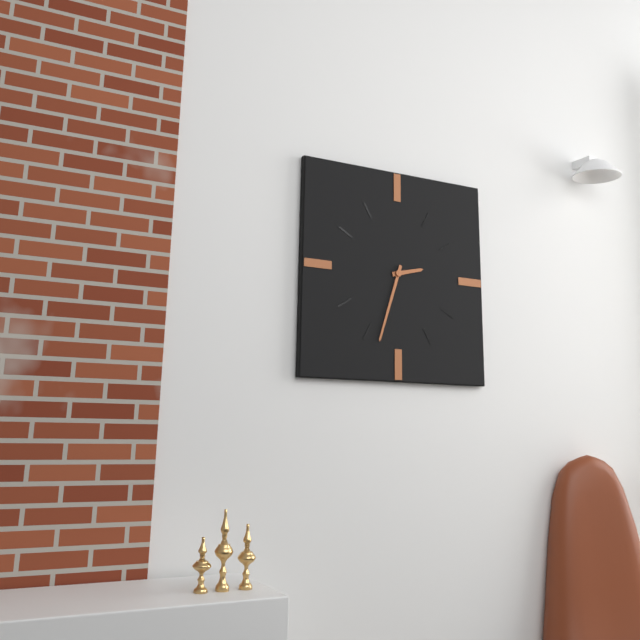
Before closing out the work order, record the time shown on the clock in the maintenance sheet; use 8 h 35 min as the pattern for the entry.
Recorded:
2 h 33 min
